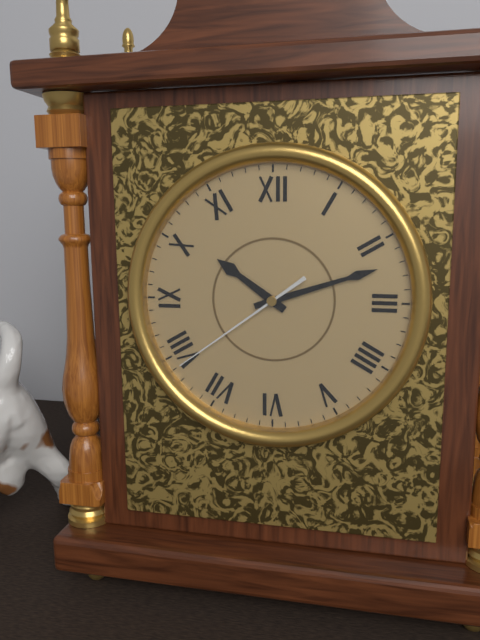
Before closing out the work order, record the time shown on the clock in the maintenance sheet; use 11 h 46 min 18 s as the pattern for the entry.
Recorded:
10 h 12 min 39 s
